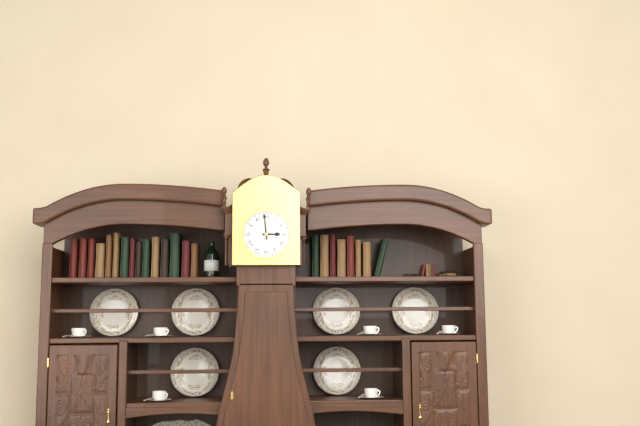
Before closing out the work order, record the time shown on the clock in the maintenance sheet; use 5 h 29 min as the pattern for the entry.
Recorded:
2 h 59 min
